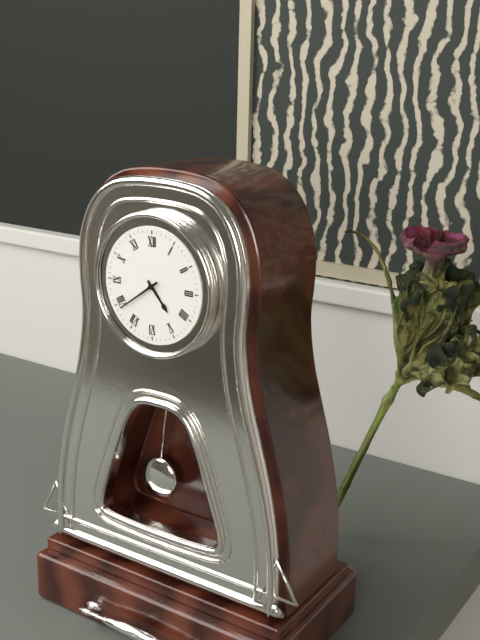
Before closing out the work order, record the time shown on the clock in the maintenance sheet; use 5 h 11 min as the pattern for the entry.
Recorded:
4 h 39 min
